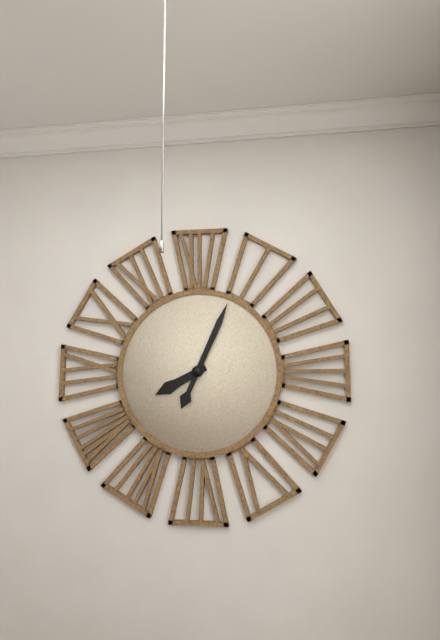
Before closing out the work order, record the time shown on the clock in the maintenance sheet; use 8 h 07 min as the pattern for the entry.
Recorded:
8 h 04 min
